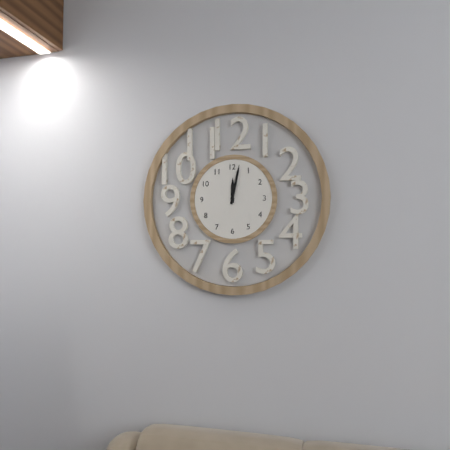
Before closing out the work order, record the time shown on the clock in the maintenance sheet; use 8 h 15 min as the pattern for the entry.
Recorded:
12 h 02 min
